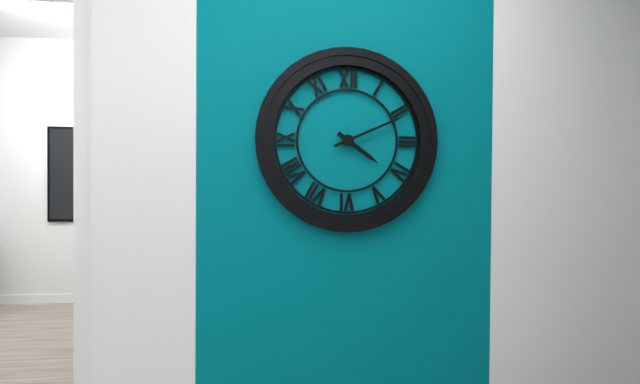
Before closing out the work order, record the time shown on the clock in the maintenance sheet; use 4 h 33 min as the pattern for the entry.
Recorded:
4 h 11 min
